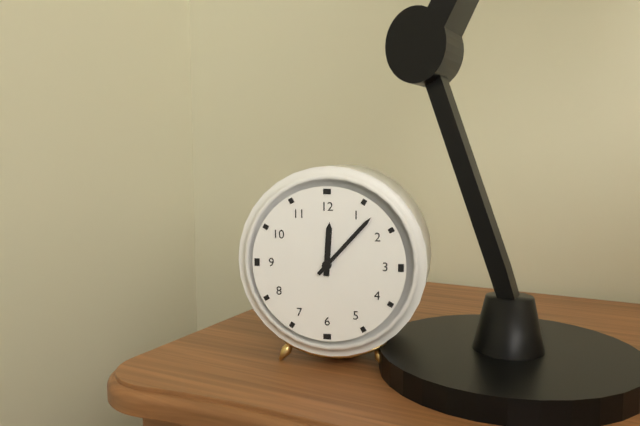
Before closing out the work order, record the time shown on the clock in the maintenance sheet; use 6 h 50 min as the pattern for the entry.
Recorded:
12 h 07 min
